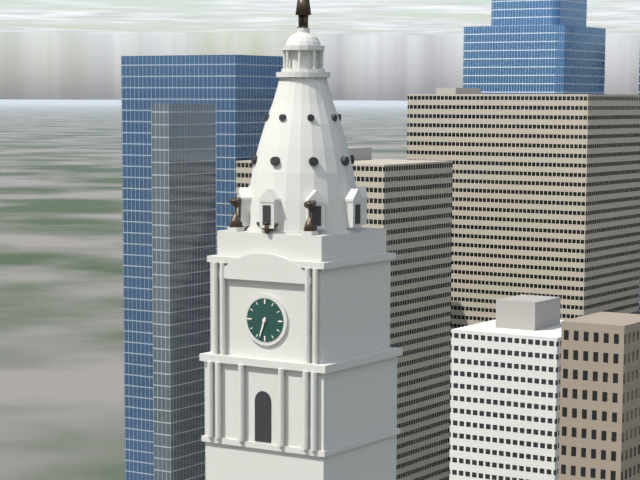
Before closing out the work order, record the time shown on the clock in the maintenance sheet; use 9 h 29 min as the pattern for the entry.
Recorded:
6 h 33 min
